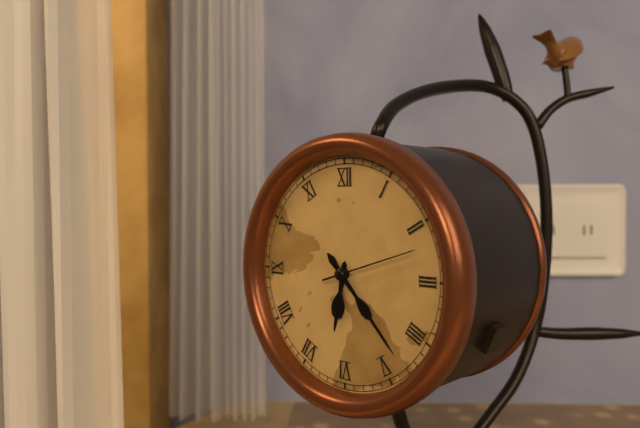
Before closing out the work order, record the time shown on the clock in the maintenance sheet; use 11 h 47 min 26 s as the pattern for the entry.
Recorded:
6 h 23 min 12 s
